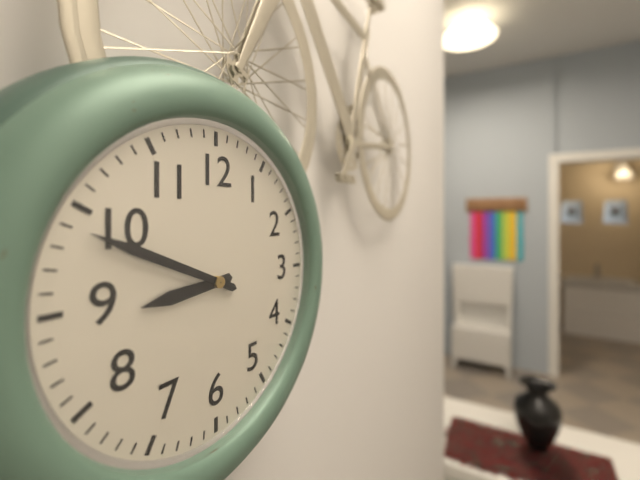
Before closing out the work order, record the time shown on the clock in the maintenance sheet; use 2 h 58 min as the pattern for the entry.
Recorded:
8 h 49 min
